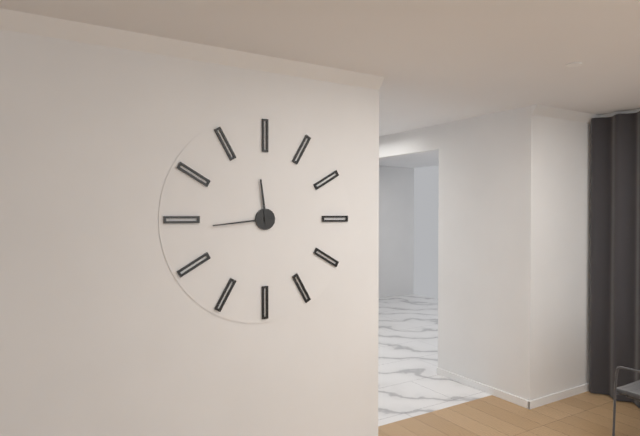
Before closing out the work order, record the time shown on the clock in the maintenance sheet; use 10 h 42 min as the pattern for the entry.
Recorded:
11 h 44 min
